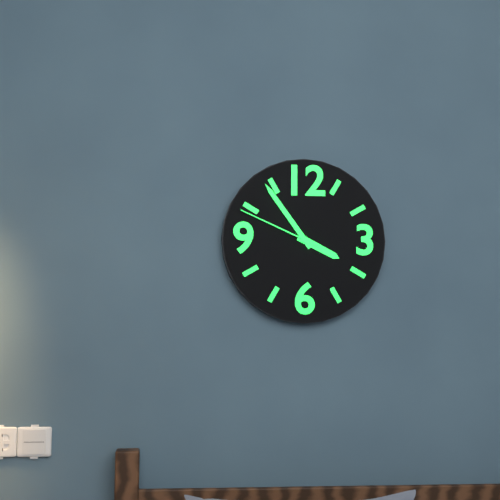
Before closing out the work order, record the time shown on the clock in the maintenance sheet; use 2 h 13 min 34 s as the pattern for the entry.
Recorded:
3 h 54 min 49 s
